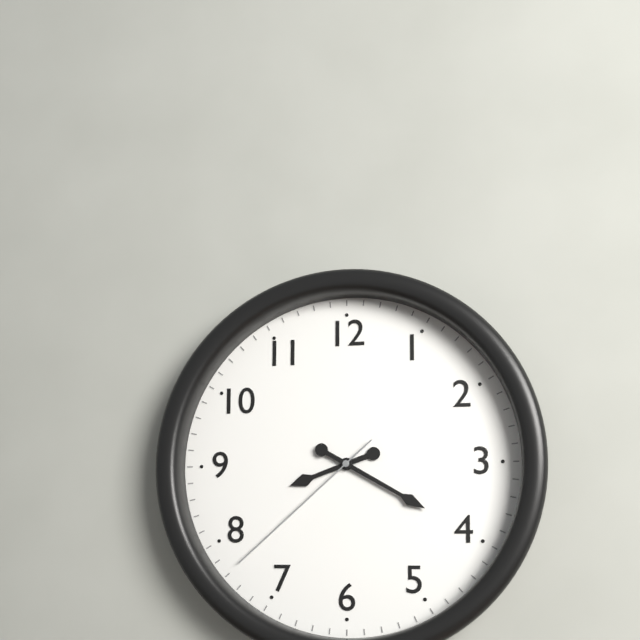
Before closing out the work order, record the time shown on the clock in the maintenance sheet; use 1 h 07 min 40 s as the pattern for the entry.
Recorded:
8 h 20 min 38 s
